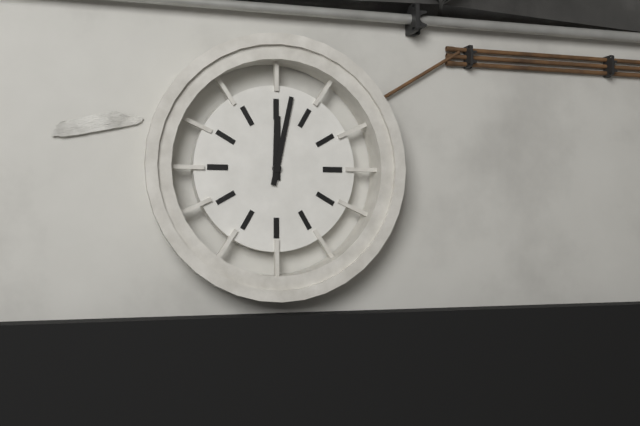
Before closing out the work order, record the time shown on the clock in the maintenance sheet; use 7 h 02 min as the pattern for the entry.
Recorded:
12 h 02 min
